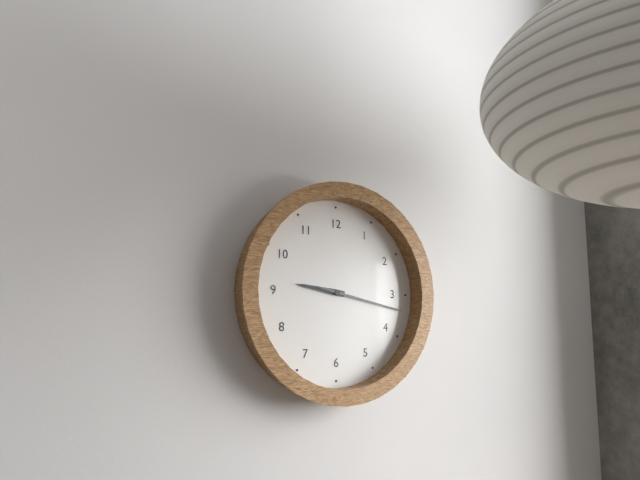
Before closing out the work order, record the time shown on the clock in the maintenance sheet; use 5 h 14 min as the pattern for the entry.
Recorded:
9 h 17 min
